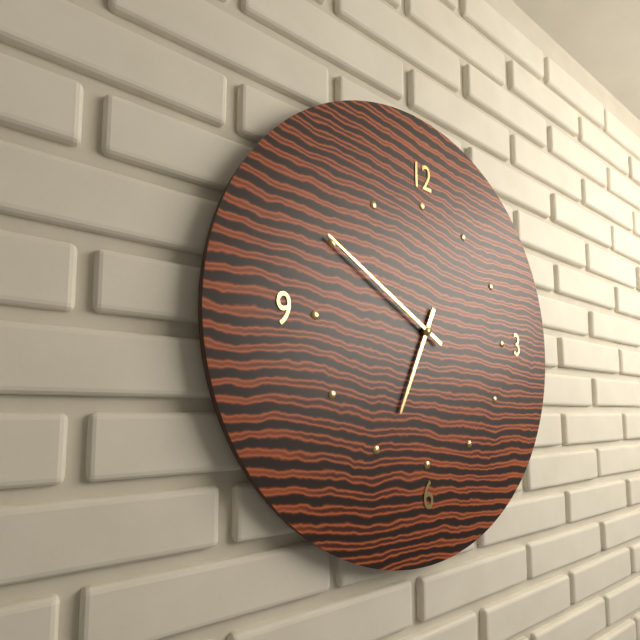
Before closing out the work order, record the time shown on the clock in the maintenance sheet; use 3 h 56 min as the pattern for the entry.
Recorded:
6 h 50 min
